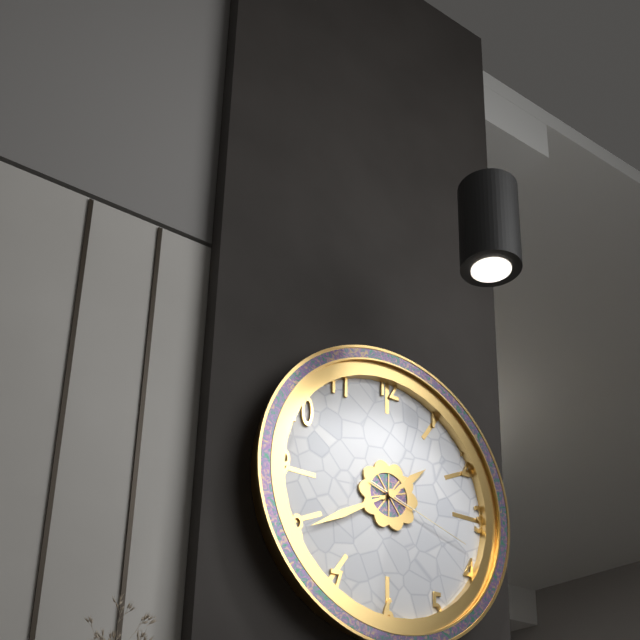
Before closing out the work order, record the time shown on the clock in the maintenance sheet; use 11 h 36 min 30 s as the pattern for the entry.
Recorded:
1 h 40 min 18 s
